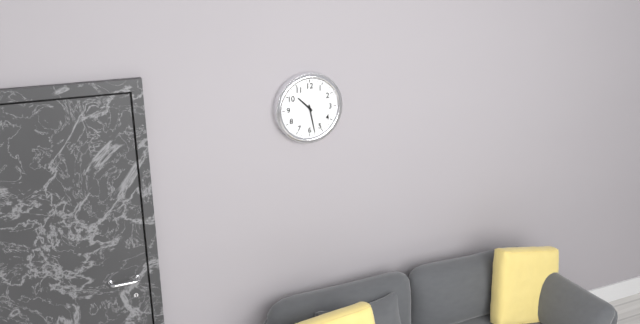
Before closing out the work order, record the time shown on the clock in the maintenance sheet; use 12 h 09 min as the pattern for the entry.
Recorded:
10 h 28 min
